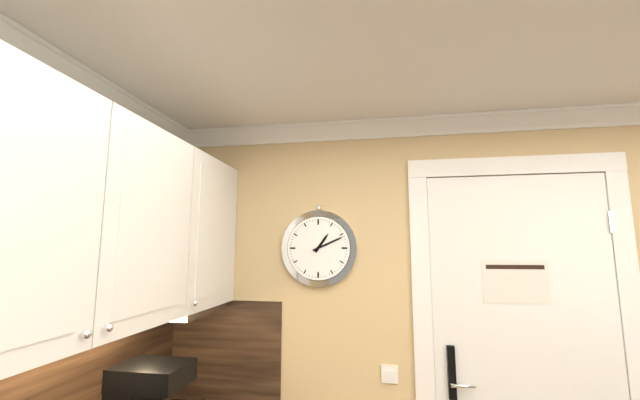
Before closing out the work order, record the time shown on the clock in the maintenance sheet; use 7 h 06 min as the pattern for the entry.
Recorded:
1 h 11 min
